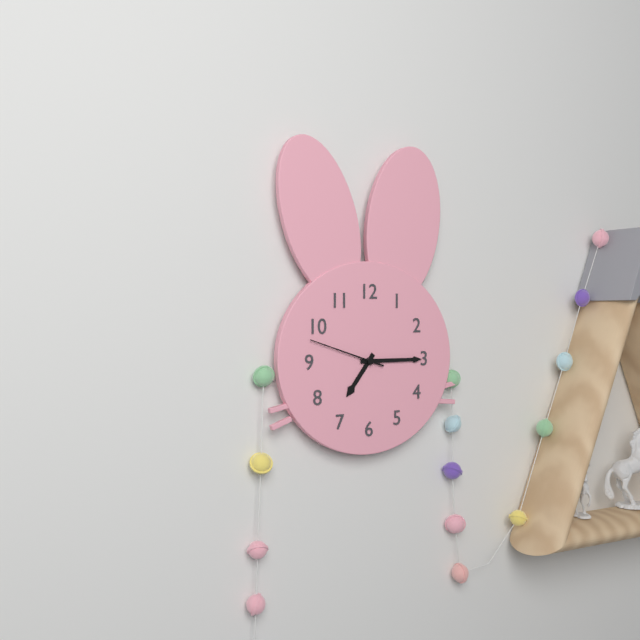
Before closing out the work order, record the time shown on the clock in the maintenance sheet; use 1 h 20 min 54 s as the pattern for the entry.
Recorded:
7 h 15 min 48 s
